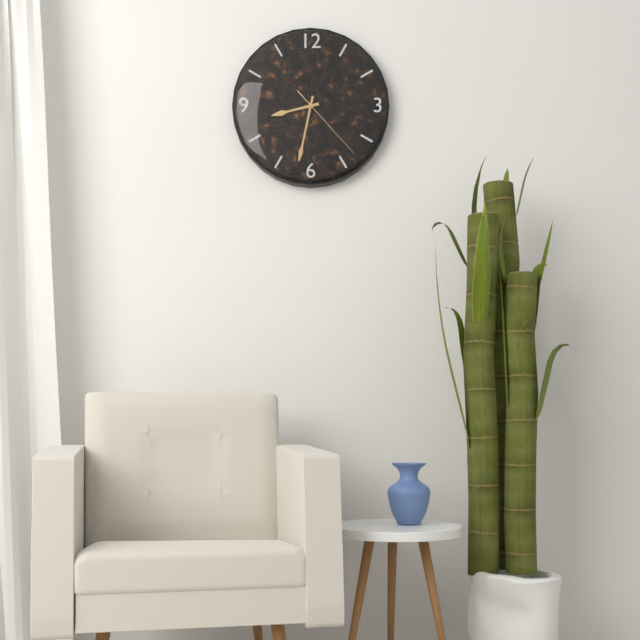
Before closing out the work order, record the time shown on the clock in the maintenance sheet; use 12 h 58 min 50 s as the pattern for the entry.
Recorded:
8 h 32 min 23 s
